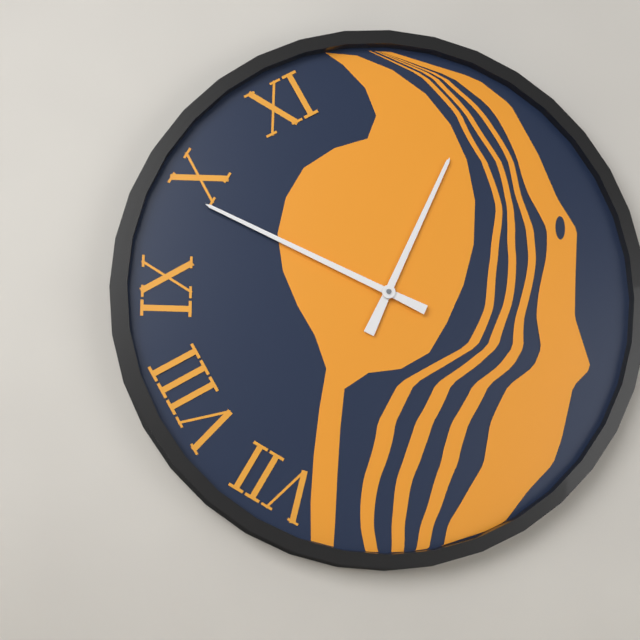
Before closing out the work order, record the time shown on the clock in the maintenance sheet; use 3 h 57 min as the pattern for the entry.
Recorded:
12 h 49 min
